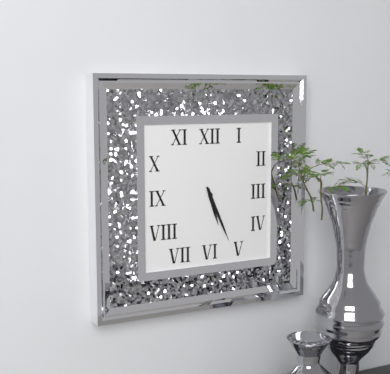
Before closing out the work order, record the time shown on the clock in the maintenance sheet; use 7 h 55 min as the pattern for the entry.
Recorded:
5 h 26 min
